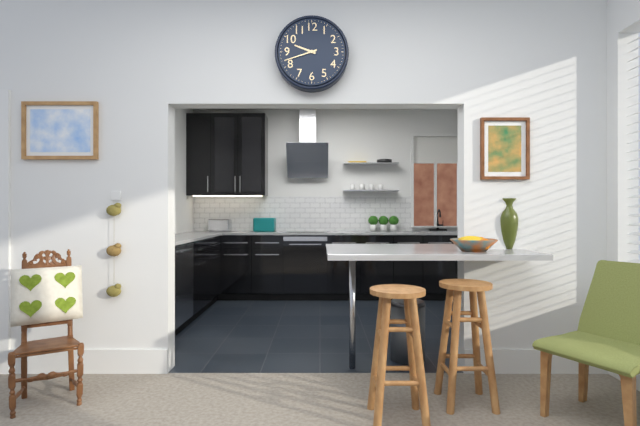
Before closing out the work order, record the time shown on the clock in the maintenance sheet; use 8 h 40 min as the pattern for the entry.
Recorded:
9 h 42 min
